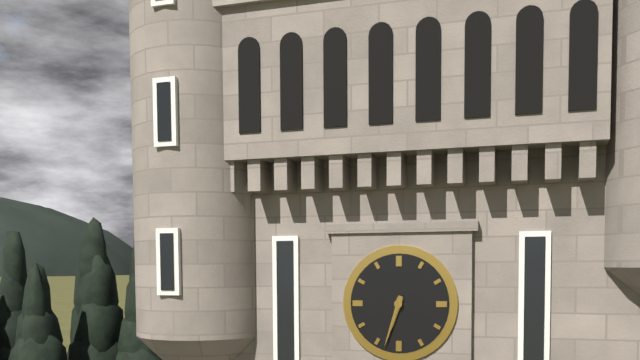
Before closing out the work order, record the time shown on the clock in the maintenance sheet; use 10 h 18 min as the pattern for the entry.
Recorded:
6 h 33 min
